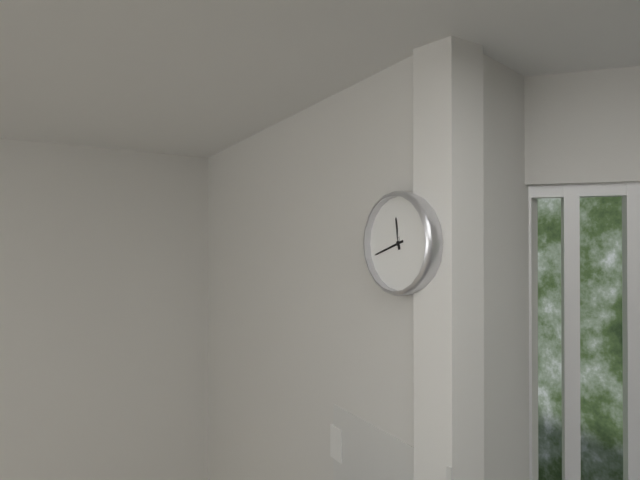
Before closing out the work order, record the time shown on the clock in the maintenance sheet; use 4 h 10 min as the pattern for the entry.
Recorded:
11 h 42 min
